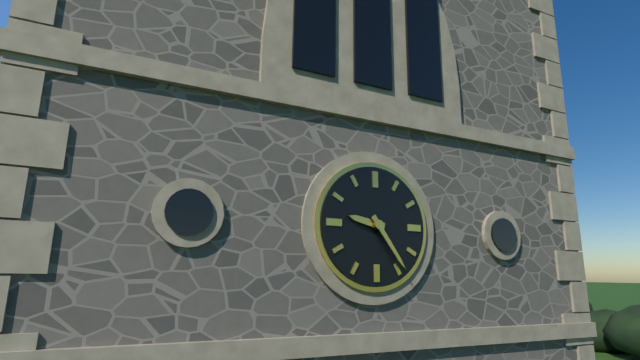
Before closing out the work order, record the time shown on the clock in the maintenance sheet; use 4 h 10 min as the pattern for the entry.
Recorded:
9 h 24 min
